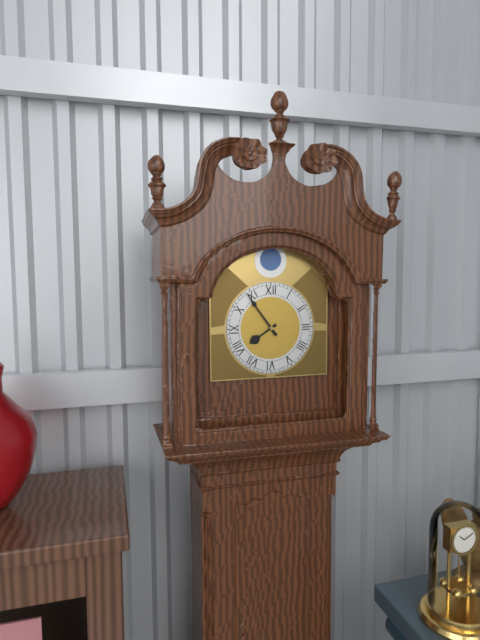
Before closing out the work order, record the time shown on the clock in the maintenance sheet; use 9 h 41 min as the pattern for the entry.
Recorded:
7 h 54 min
